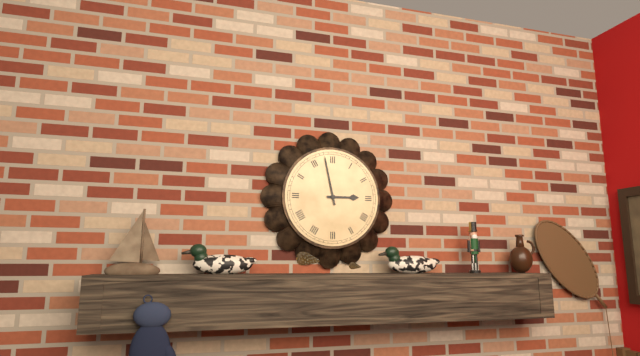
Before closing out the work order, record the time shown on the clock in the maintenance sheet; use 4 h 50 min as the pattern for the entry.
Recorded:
2 h 58 min
